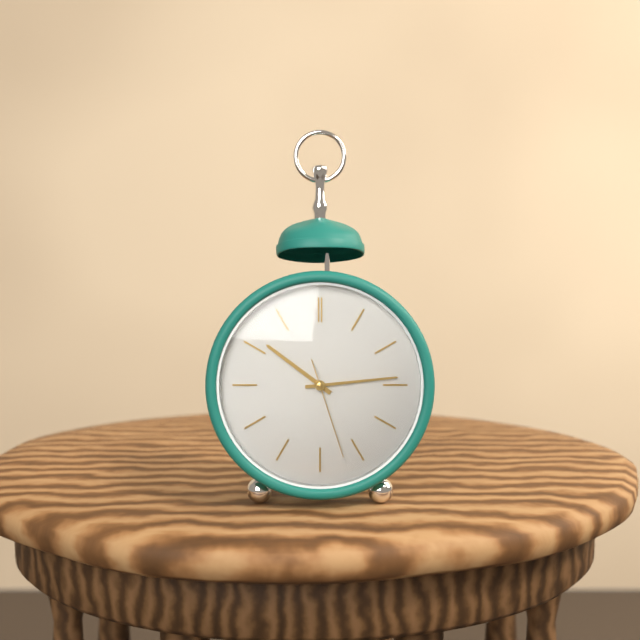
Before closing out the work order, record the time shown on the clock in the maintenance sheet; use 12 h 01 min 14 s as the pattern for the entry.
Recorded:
10 h 14 min 27 s
